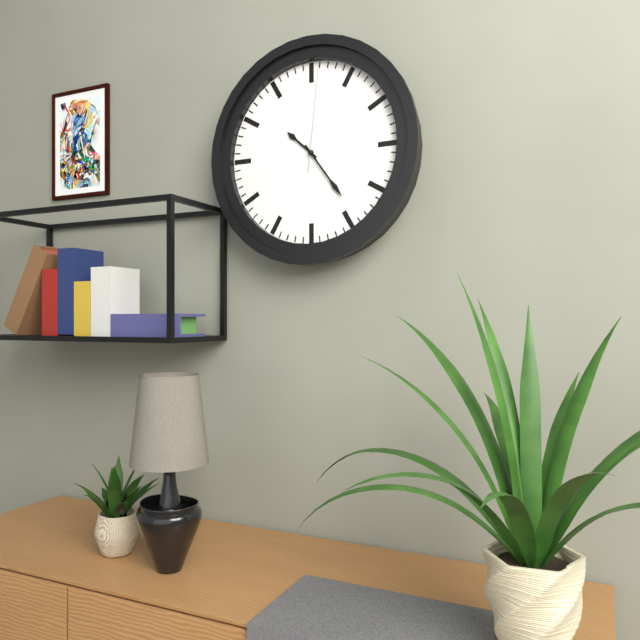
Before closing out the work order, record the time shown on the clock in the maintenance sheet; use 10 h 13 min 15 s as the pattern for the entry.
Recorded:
10 h 24 min 01 s
